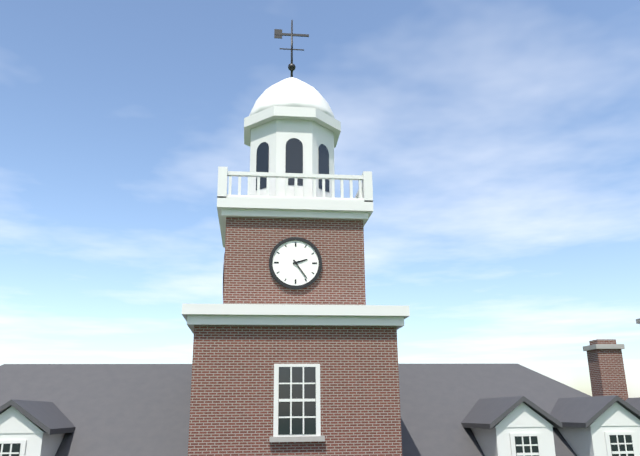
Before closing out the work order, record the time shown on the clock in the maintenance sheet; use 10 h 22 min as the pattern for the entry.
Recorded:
2 h 24 min
